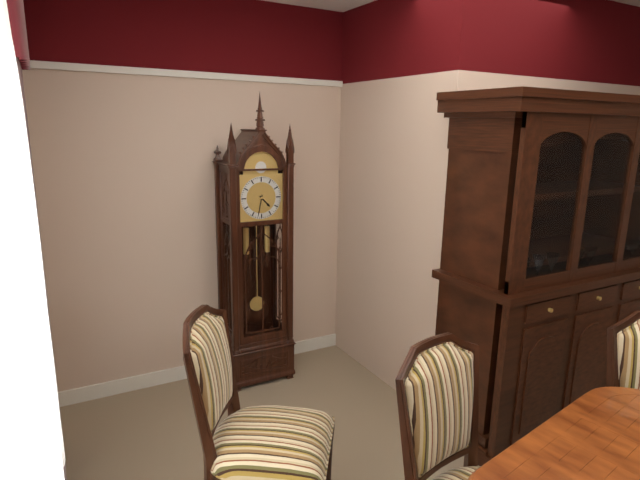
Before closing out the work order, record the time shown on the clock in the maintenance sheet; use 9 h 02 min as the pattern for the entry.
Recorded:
4 h 32 min
